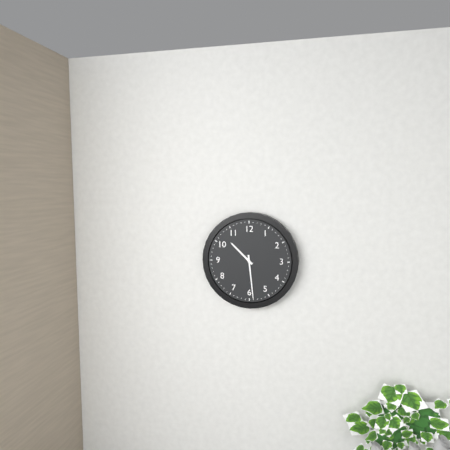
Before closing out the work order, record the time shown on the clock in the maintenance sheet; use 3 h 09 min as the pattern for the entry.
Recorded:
10 h 29 min
